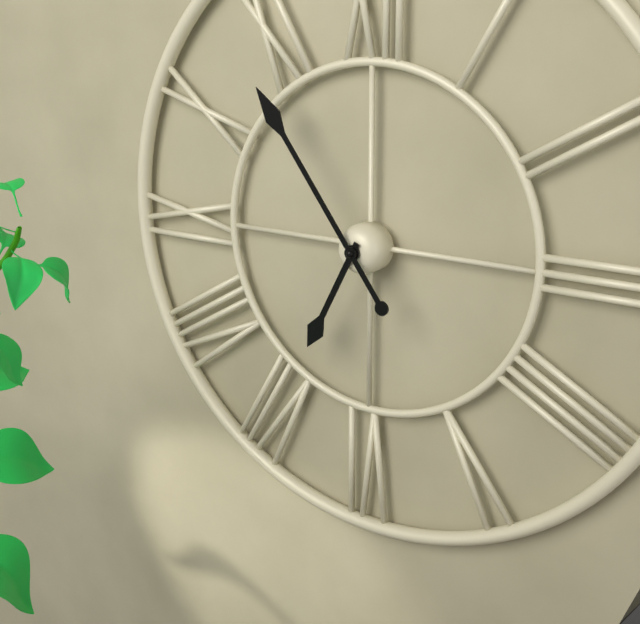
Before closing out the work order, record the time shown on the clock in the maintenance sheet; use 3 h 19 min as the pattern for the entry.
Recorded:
6 h 54 min
